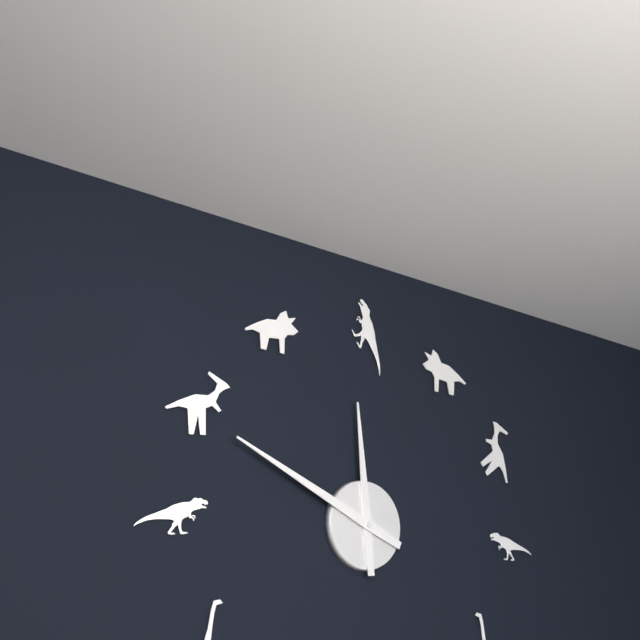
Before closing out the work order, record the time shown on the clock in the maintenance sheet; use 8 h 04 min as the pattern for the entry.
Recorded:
11 h 49 min
